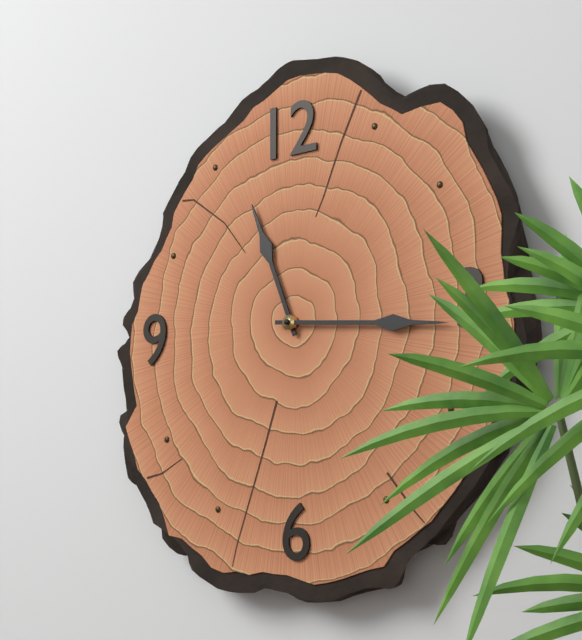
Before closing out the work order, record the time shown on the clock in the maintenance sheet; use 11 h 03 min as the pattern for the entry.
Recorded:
11 h 16 min
